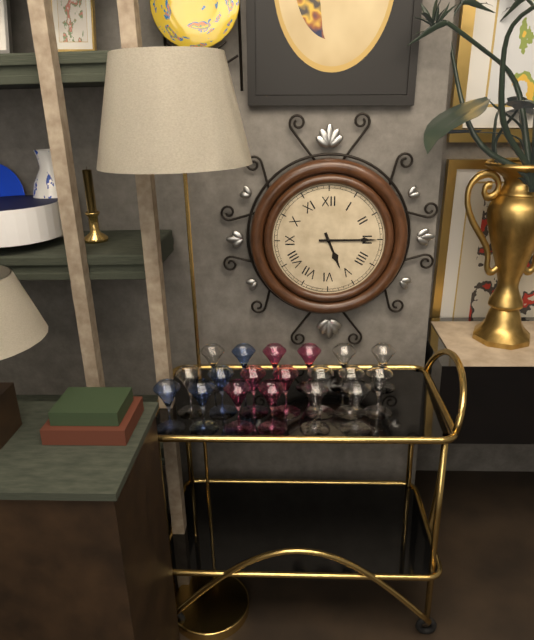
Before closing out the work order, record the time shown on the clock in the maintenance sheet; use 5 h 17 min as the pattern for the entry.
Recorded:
5 h 15 min
